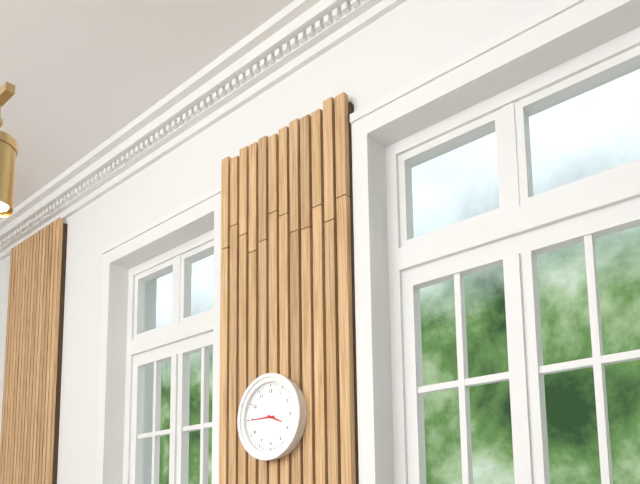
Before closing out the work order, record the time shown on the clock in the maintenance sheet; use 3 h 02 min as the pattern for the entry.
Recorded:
3 h 45 min
